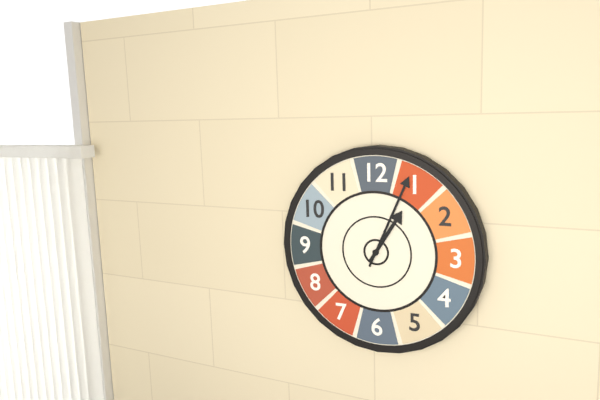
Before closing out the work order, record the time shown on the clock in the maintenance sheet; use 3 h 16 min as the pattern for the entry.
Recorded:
1 h 04 min
